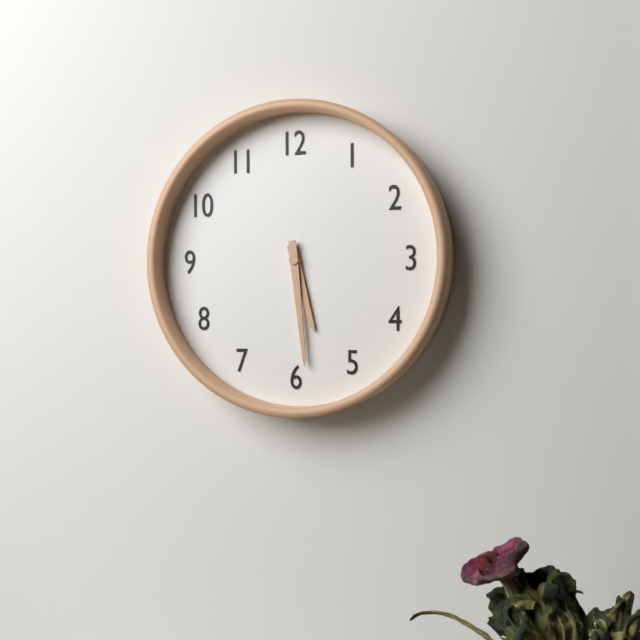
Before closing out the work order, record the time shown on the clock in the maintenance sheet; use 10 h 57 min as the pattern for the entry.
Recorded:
5 h 29 min
